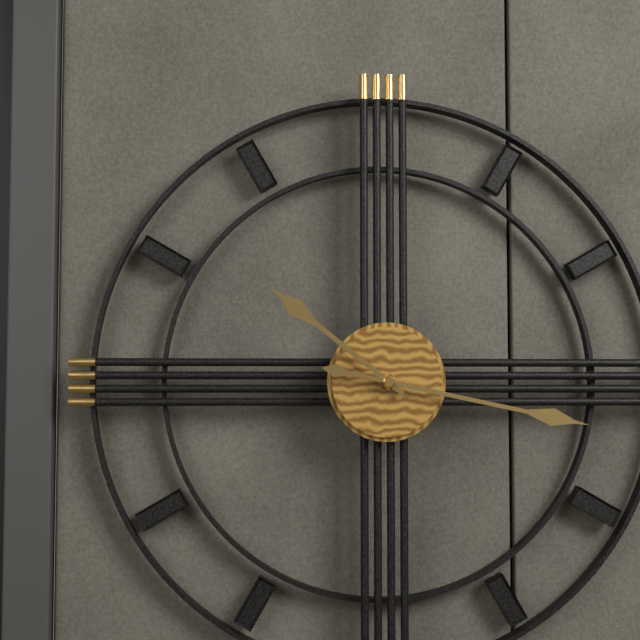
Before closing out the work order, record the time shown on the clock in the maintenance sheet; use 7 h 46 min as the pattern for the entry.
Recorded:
10 h 17 min
